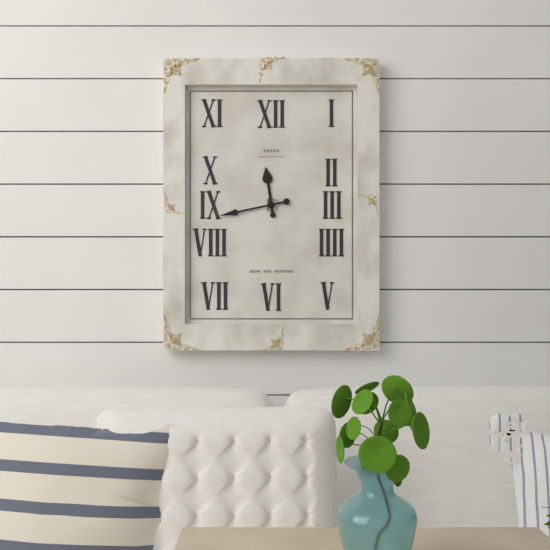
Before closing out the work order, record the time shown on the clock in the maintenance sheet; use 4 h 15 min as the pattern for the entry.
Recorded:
11 h 43 min
